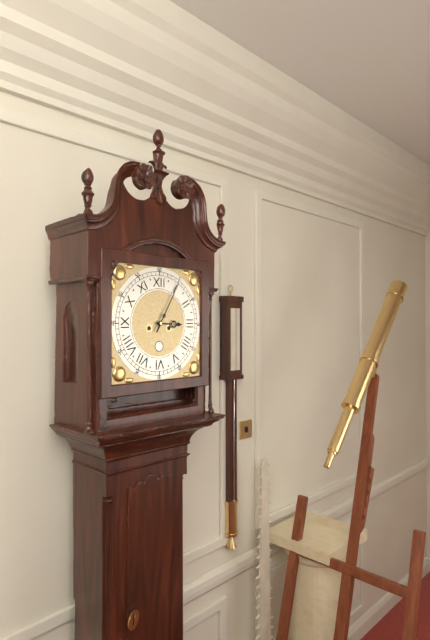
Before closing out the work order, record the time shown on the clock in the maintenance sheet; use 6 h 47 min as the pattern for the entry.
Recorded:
3 h 05 min
